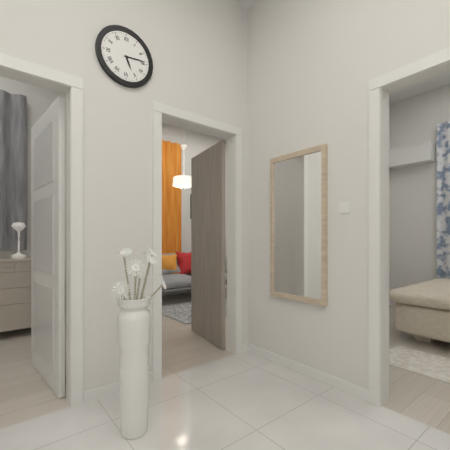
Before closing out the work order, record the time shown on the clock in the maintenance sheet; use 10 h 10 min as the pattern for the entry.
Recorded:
5 h 14 min
